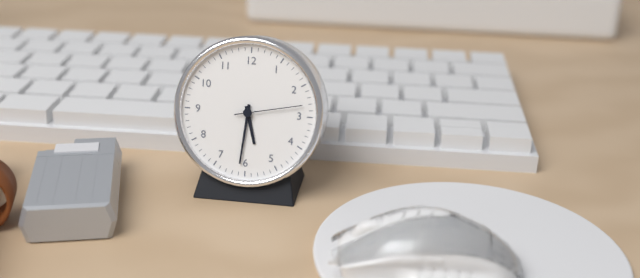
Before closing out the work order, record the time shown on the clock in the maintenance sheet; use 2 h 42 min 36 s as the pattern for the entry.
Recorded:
5 h 31 min 13 s
